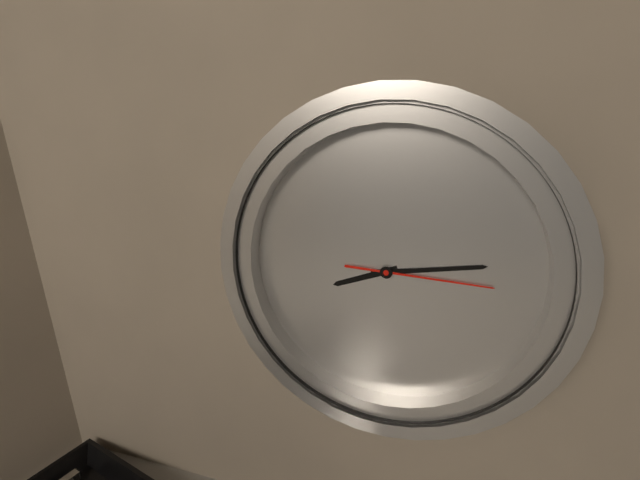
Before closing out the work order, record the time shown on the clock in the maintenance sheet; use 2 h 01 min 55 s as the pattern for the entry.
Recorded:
8 h 13 min 15 s
